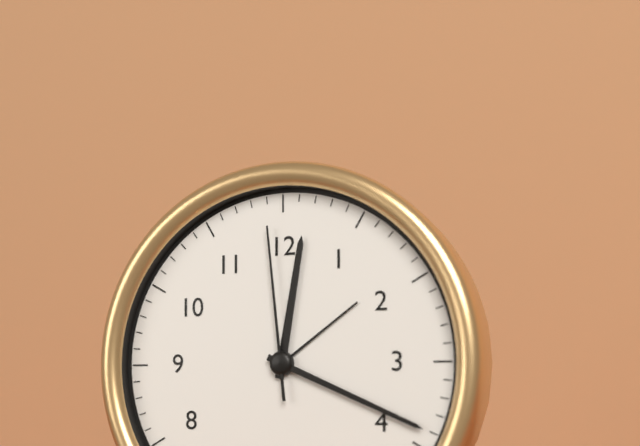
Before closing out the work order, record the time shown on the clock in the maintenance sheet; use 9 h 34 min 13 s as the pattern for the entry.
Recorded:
12 h 19 min 59 s
